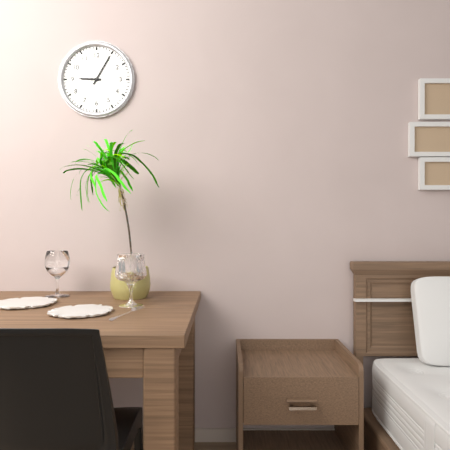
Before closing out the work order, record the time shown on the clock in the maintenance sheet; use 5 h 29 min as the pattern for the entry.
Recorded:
9 h 05 min
